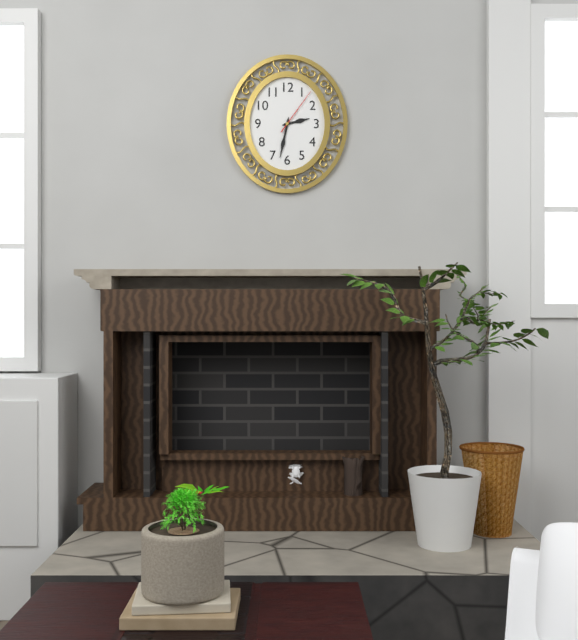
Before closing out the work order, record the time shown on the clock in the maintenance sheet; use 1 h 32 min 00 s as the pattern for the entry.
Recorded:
2 h 32 min 06 s
